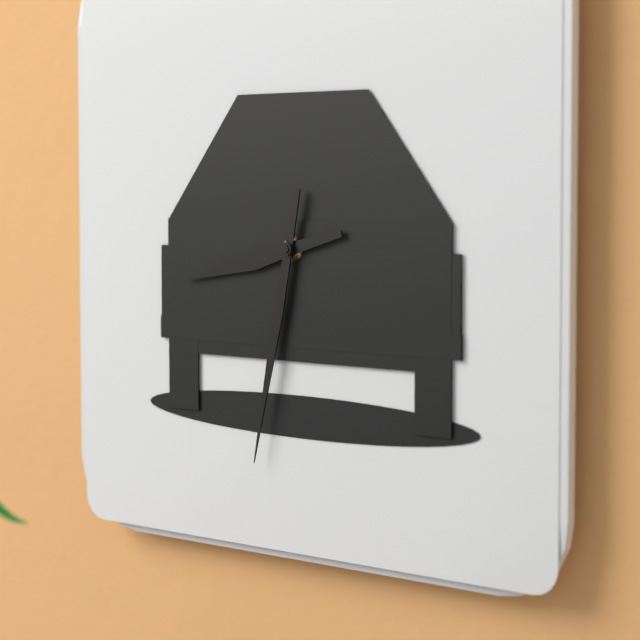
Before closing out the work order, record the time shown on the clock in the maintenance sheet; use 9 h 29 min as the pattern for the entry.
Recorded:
8 h 32 min
